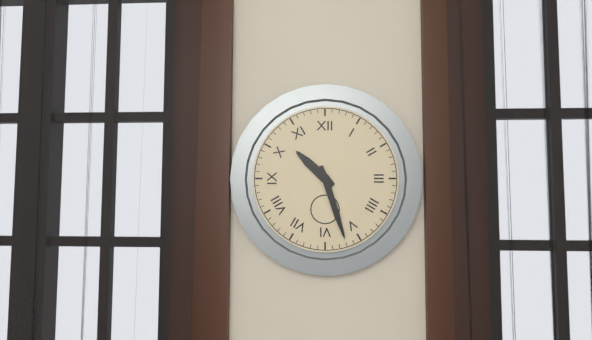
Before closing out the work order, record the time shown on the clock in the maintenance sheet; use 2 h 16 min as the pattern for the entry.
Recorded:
10 h 27 min
